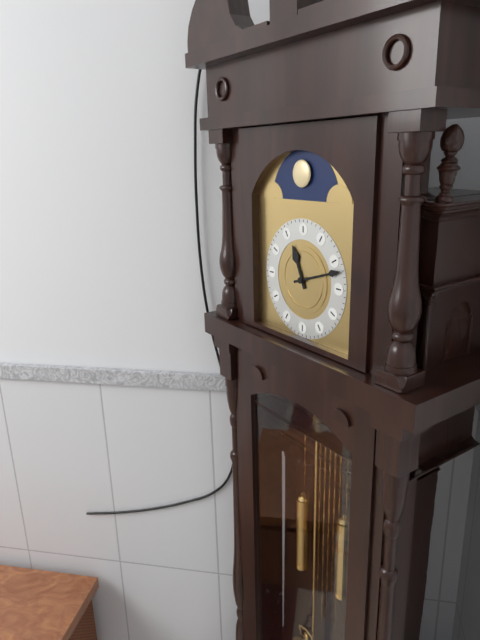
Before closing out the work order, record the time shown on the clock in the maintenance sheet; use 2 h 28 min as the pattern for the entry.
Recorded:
11 h 12 min
